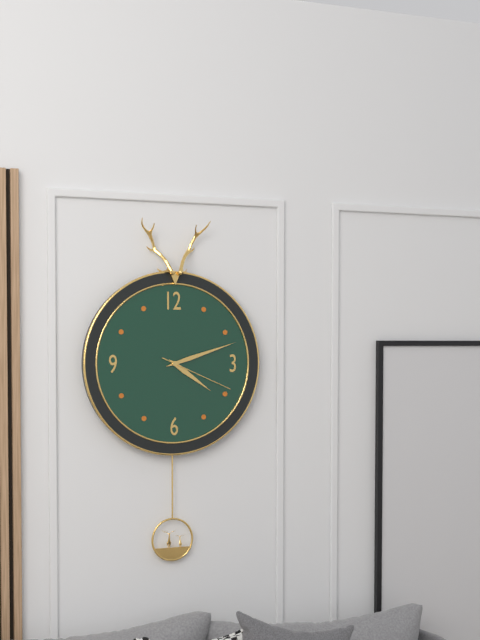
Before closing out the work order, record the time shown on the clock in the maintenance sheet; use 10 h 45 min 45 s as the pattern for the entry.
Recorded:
4 h 12 min 19 s
